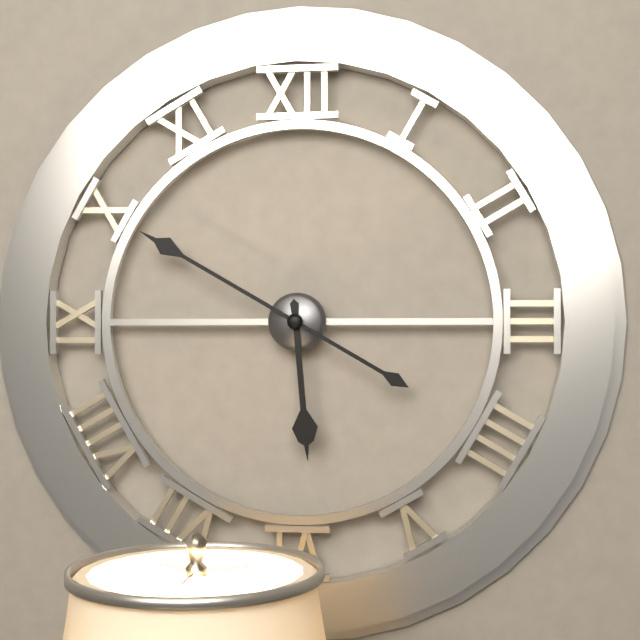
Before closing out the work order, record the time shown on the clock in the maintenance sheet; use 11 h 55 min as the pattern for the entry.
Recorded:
5 h 50 min
